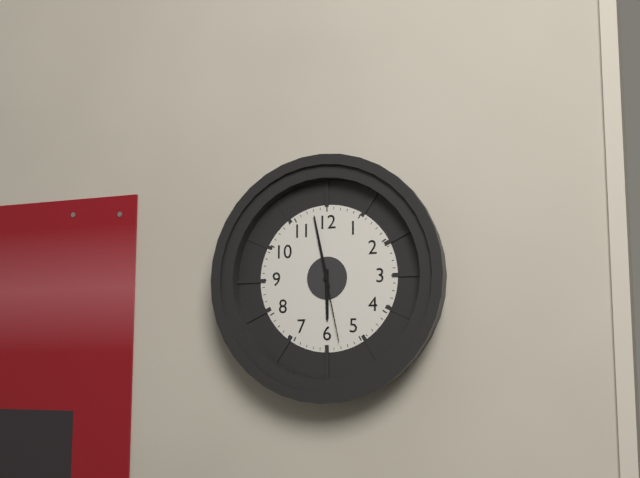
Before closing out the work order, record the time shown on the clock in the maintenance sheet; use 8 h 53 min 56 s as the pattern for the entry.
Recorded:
5 h 58 min 28 s
